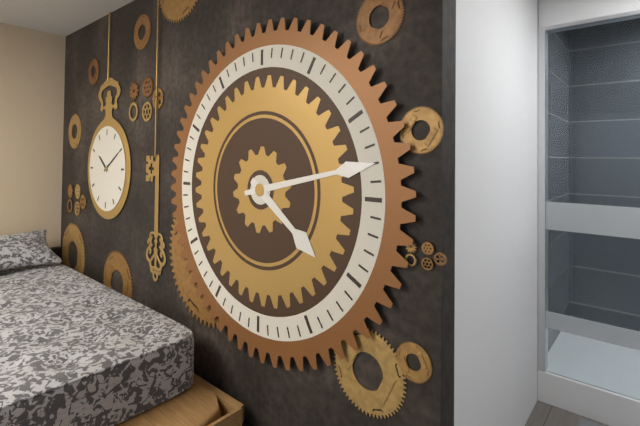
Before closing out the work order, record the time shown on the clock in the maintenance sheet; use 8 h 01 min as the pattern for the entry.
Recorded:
4 h 13 min
